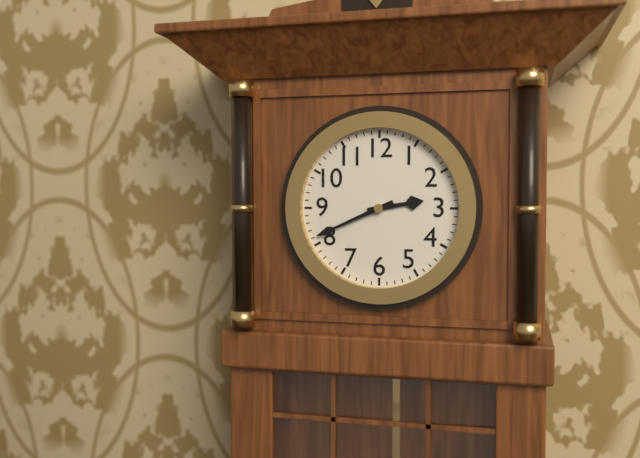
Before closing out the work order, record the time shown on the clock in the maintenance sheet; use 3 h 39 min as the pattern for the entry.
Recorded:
2 h 41 min
